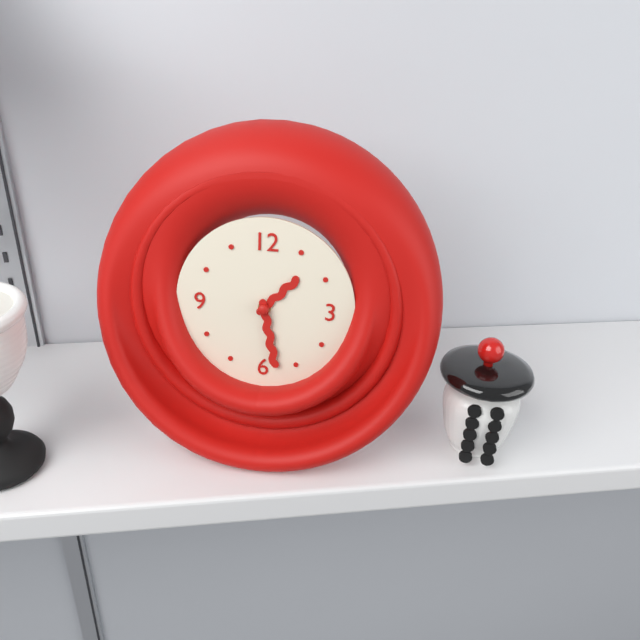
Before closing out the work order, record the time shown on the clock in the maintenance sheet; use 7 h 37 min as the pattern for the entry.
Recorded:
1 h 28 min
